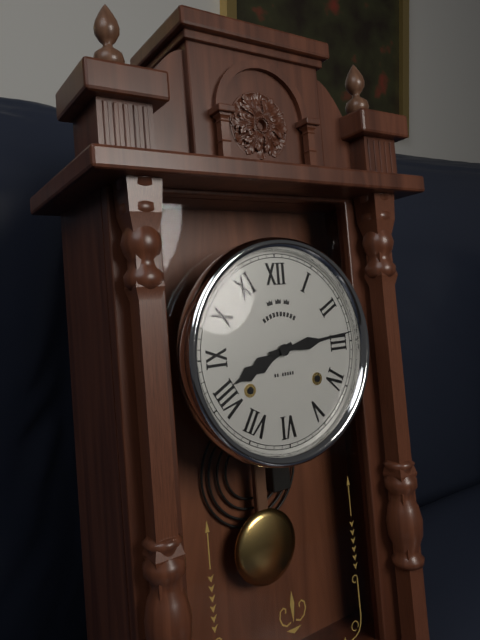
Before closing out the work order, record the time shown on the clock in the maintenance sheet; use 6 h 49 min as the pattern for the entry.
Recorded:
8 h 14 min
